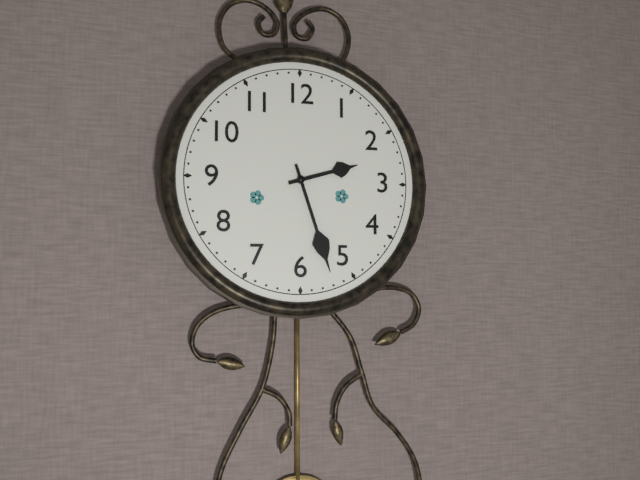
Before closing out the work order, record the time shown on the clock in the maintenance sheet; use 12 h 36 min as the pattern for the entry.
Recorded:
2 h 27 min
